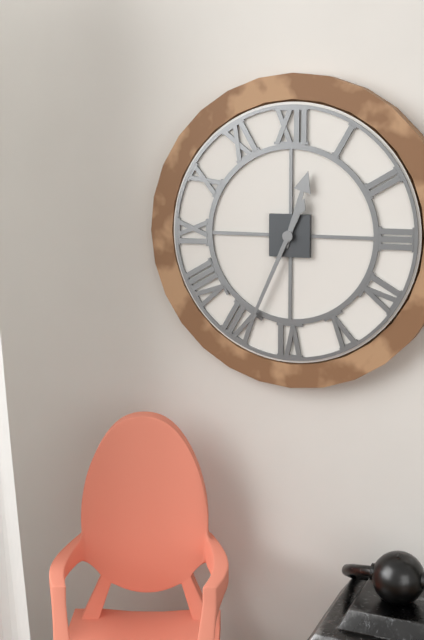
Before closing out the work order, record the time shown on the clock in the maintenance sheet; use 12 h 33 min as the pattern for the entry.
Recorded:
12 h 34 min
